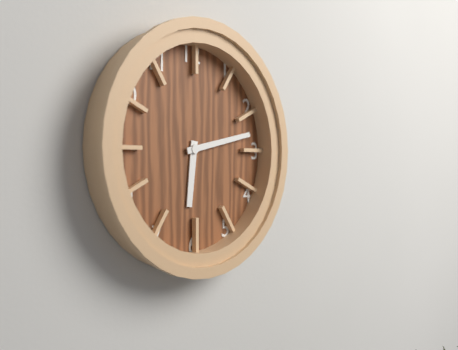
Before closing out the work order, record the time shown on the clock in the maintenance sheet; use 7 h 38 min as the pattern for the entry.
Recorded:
6 h 13 min
